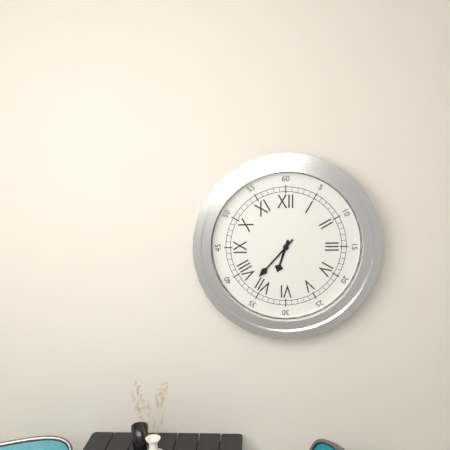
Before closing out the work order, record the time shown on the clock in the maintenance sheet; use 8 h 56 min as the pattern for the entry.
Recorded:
6 h 37 min
